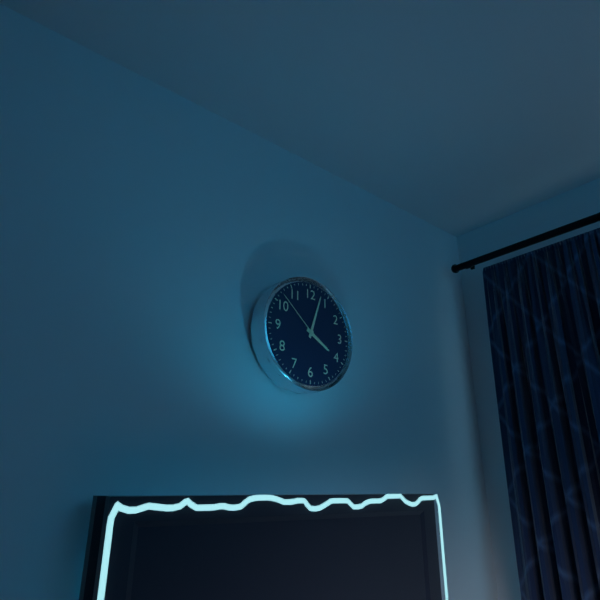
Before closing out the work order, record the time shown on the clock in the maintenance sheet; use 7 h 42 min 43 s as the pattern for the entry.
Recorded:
4 h 03 min 52 s
